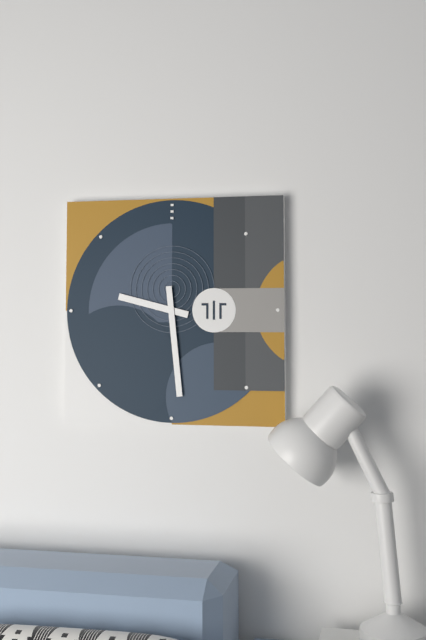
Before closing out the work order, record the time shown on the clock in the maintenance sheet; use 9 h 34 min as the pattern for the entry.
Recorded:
9 h 29 min
